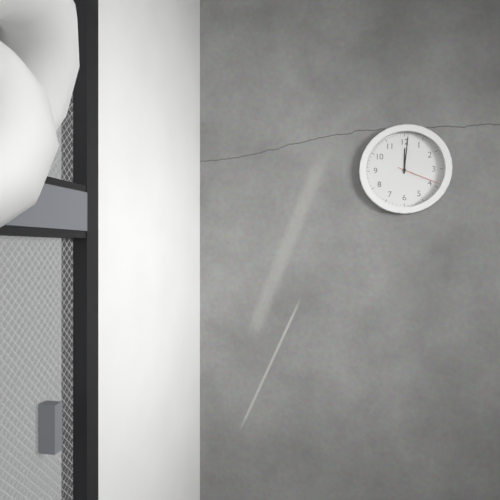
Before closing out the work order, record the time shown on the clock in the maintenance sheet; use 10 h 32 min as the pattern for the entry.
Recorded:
12 h 01 min
